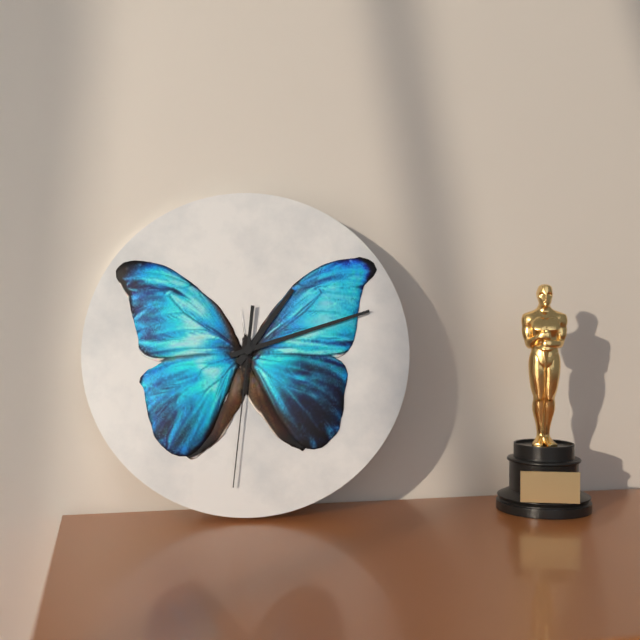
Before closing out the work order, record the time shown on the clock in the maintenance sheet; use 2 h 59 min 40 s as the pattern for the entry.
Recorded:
1 h 12 min 31 s
